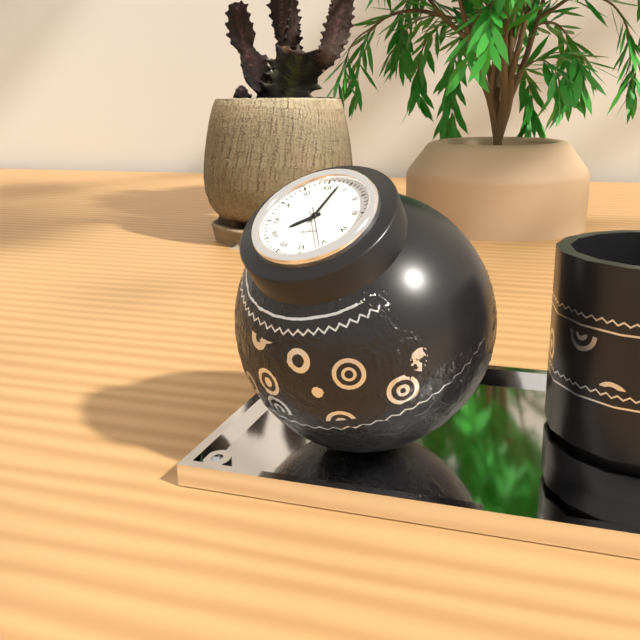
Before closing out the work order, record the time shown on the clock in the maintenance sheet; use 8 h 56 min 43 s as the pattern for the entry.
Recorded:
8 h 03 min 26 s
